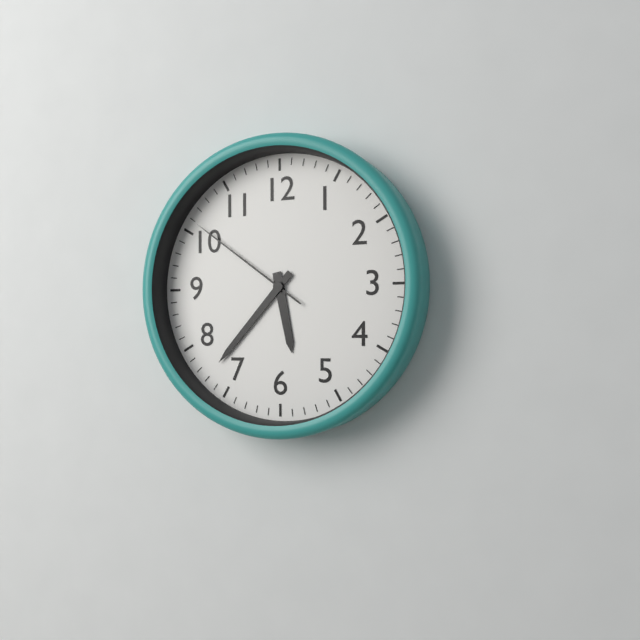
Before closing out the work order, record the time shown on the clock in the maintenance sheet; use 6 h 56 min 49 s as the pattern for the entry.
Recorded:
5 h 37 min 51 s
